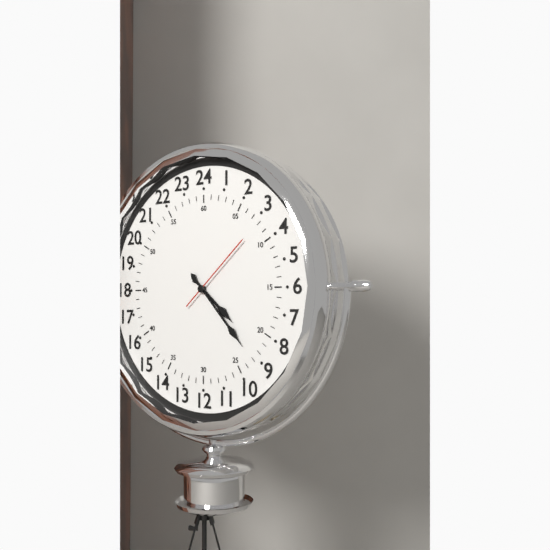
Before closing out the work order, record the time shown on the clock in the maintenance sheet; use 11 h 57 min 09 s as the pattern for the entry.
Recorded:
4 h 23 min 08 s
